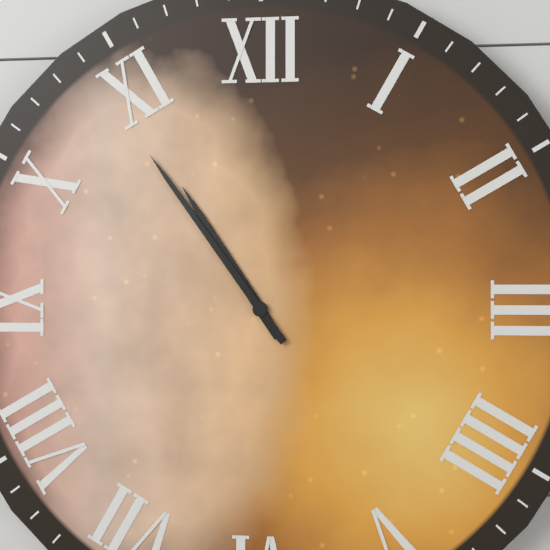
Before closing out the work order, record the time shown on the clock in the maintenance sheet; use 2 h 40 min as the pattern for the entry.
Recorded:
10 h 54 min
